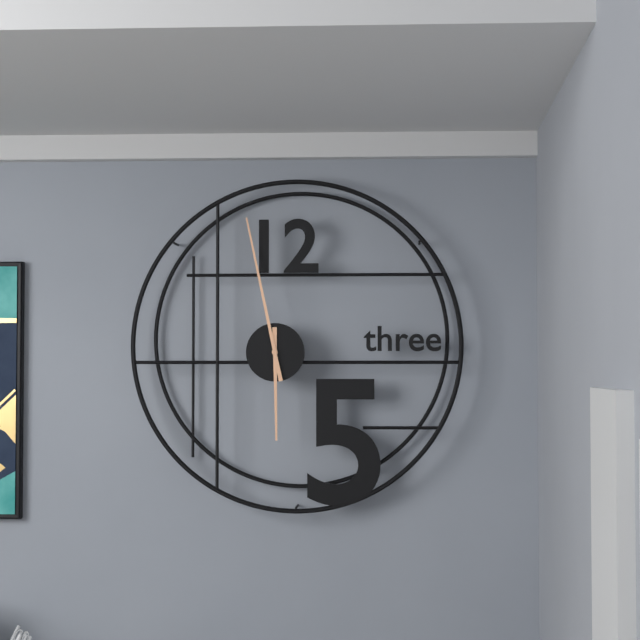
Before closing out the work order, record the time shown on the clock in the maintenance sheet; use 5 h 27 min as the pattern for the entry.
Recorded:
5 h 58 min
